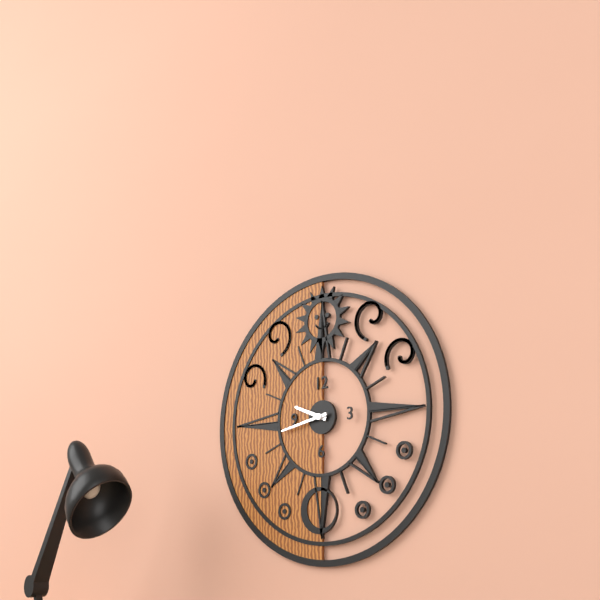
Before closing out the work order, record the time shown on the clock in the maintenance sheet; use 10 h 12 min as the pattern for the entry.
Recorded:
9 h 43 min
